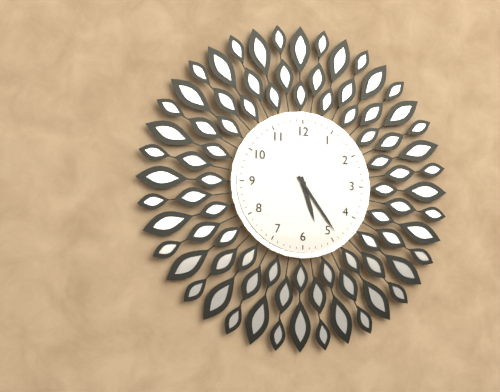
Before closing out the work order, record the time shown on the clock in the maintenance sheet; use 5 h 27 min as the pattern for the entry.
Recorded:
5 h 24 min
